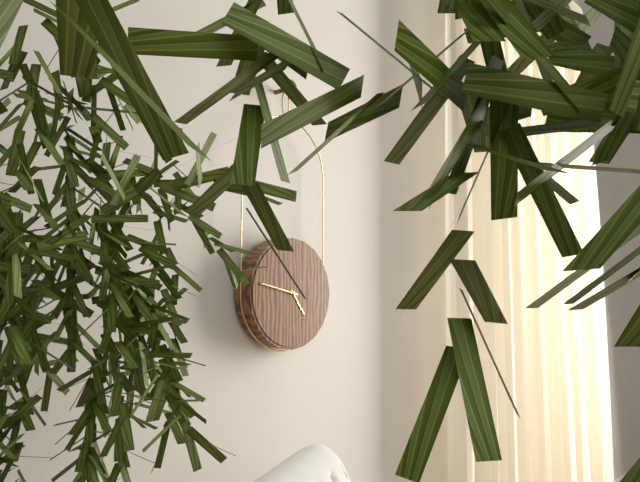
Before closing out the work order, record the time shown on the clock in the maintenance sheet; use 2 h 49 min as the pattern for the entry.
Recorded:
4 h 47 min
